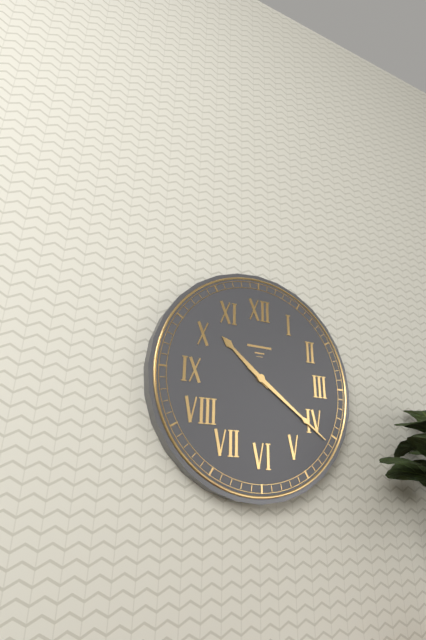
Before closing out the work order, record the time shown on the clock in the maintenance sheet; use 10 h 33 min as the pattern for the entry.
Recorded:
10 h 21 min
